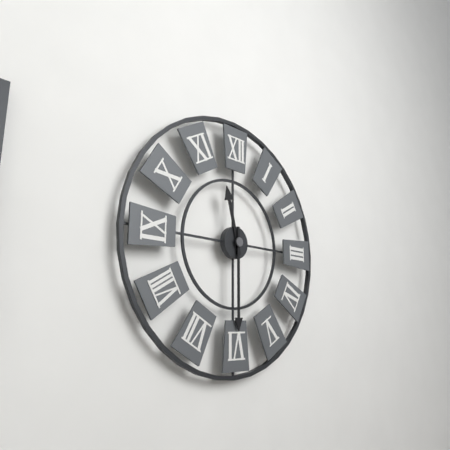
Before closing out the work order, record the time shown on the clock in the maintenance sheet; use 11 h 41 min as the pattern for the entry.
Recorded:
11 h 30 min
